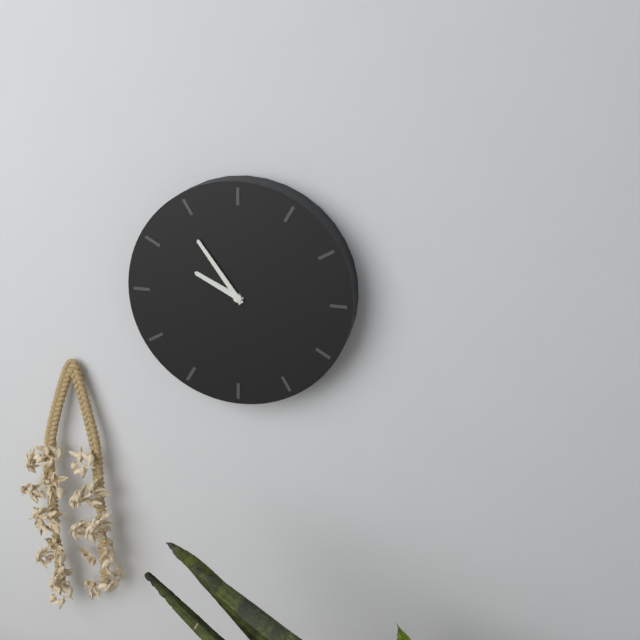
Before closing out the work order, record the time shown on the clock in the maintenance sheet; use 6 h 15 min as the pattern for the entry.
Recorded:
9 h 54 min
